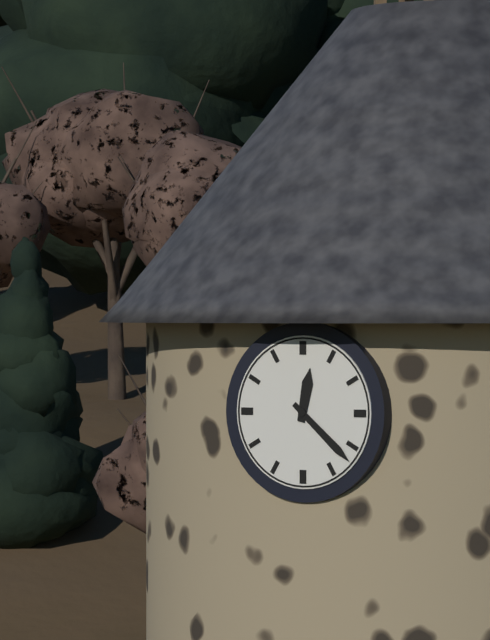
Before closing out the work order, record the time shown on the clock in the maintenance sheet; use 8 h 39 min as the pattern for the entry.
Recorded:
12 h 22 min
